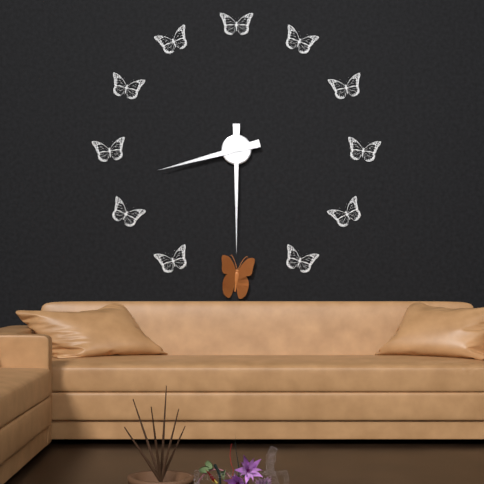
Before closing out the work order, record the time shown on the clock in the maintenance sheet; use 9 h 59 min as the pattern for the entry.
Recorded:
8 h 30 min
